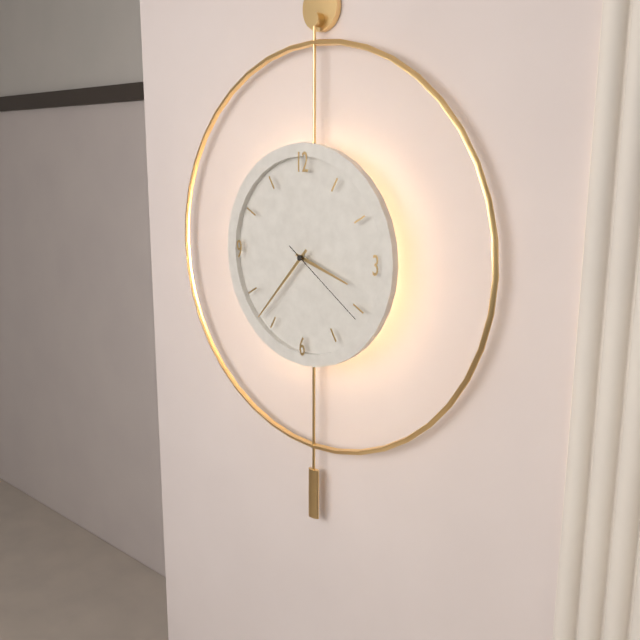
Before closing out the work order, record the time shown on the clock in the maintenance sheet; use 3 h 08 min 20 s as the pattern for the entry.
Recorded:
3 h 37 min 21 s
